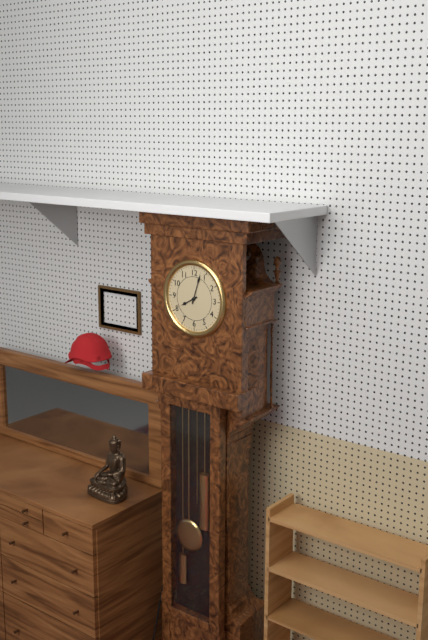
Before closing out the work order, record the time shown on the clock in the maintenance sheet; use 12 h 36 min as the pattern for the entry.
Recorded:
8 h 03 min
